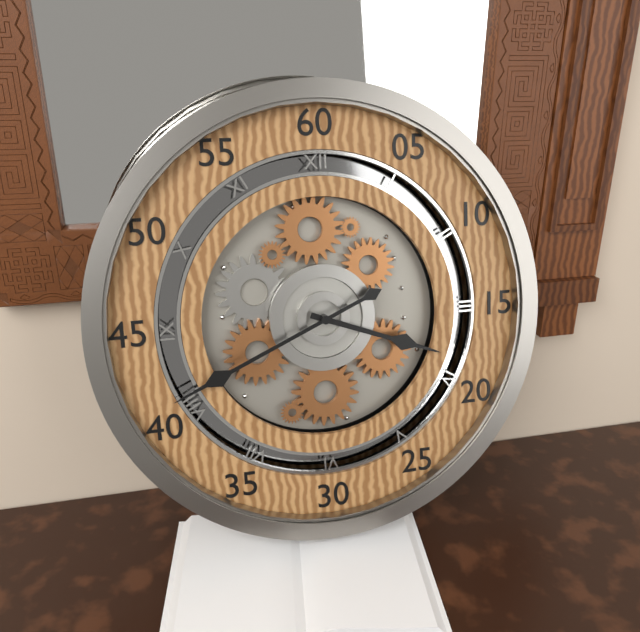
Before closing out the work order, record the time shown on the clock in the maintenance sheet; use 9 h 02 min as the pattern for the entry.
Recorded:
3 h 41 min
